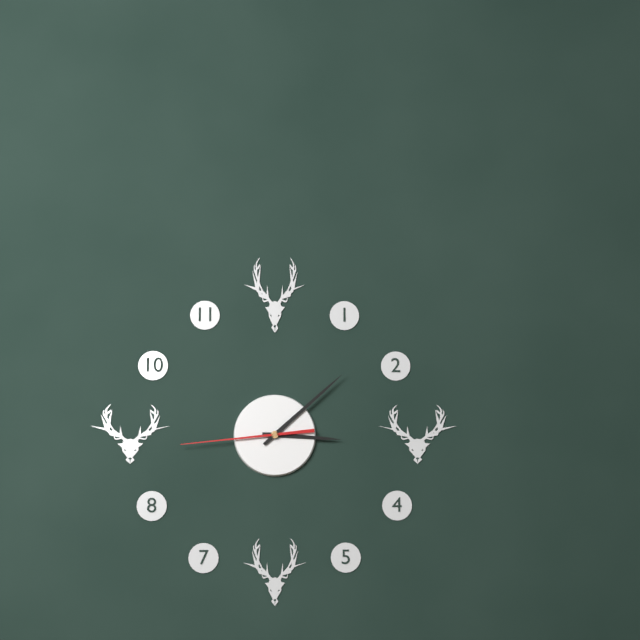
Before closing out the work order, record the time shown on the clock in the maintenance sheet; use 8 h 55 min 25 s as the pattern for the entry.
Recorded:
3 h 08 min 44 s
